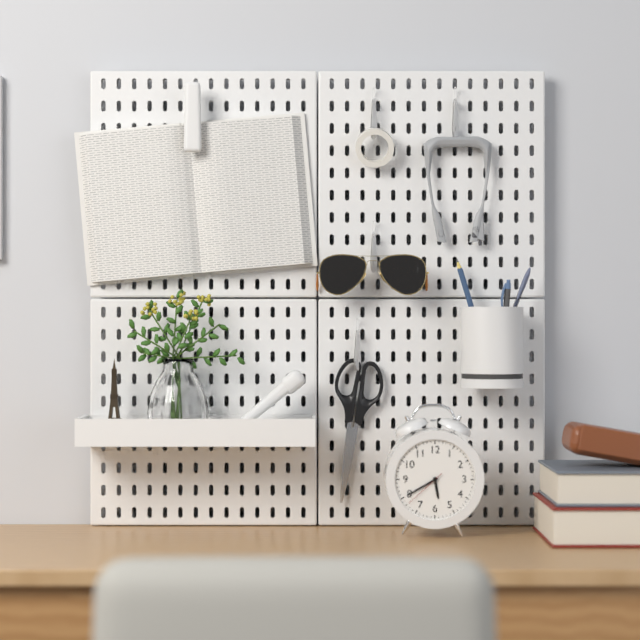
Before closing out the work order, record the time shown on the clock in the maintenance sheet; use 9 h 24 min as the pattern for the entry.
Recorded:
5 h 40 min
